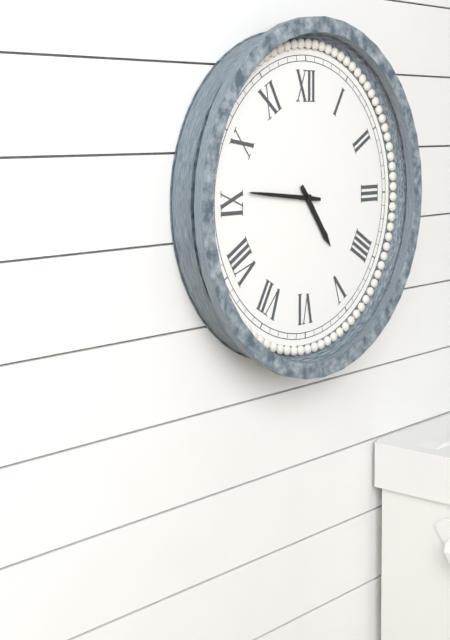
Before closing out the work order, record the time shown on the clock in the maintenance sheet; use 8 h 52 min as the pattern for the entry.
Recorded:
4 h 46 min
